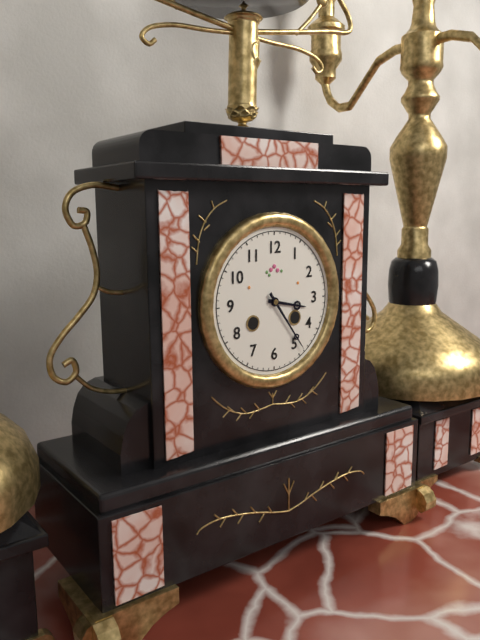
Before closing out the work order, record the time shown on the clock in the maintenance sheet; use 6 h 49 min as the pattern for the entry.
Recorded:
3 h 24 min
